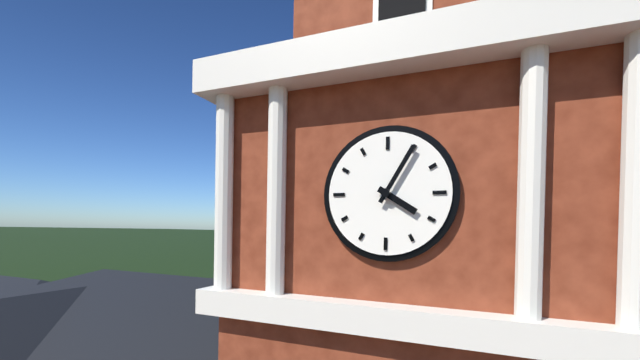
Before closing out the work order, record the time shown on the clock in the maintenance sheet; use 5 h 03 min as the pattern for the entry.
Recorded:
4 h 05 min
